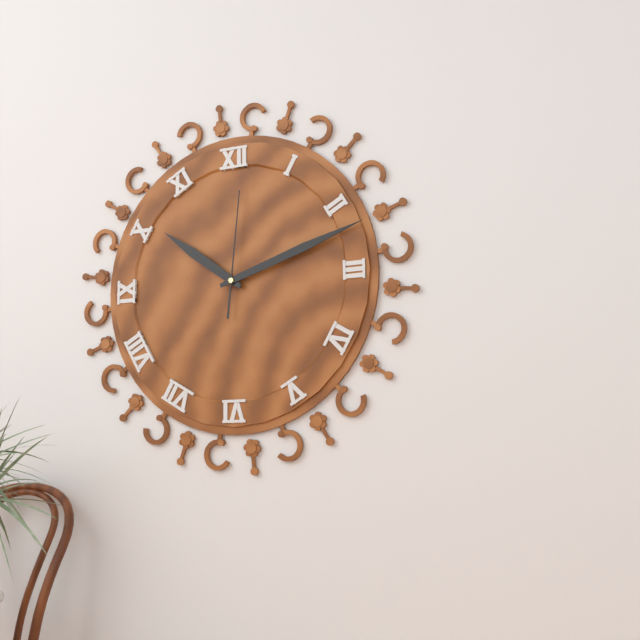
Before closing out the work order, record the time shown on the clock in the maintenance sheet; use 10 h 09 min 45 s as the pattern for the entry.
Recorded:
10 h 12 min 01 s
